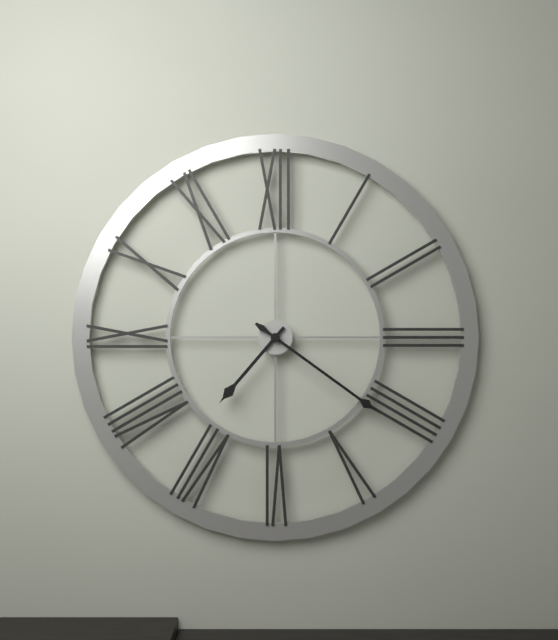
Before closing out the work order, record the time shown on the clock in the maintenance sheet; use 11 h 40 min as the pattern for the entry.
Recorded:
7 h 21 min
